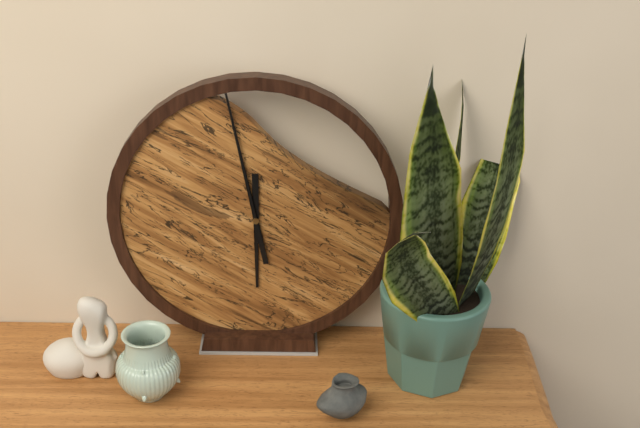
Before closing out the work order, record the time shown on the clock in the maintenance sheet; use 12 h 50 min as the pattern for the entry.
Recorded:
5 h 58 min
